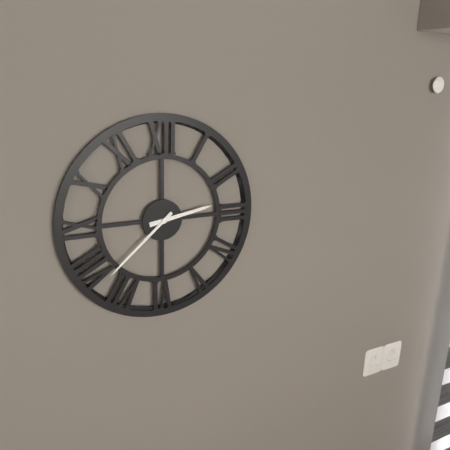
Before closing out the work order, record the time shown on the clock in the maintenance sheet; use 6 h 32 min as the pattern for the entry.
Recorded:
2 h 38 min
